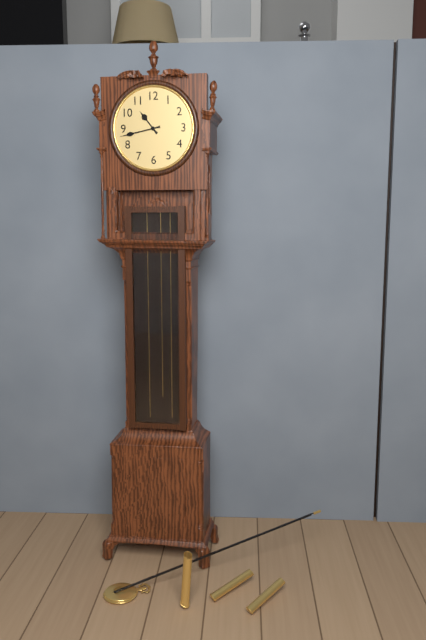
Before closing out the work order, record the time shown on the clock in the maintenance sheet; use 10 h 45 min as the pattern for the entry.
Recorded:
10 h 43 min
